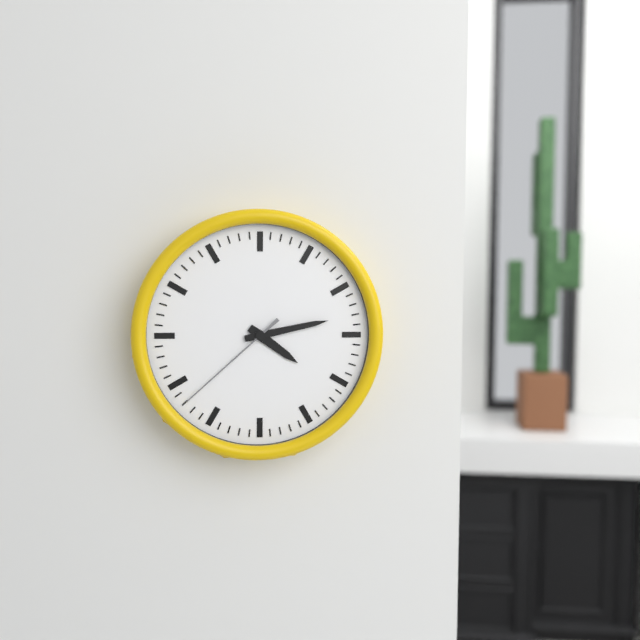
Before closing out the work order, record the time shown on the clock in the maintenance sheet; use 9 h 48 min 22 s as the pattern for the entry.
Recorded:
4 h 13 min 38 s
